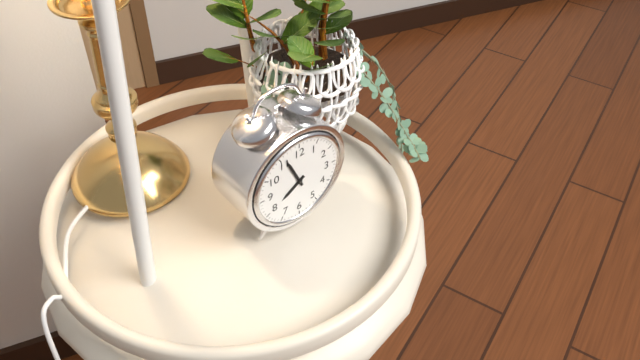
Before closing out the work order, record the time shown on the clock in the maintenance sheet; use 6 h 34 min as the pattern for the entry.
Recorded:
7 h 56 min
